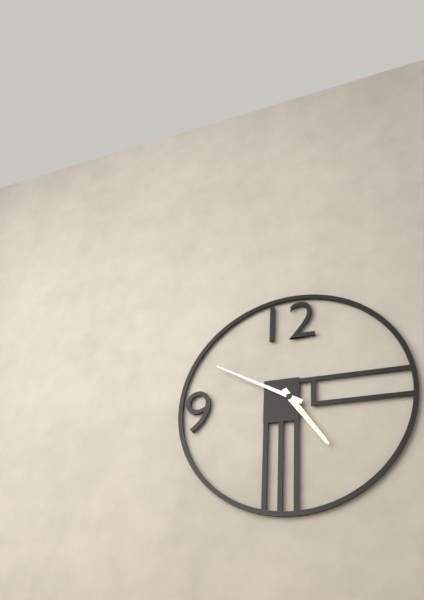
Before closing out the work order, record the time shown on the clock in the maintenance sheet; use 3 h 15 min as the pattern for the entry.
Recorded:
4 h 50 min
